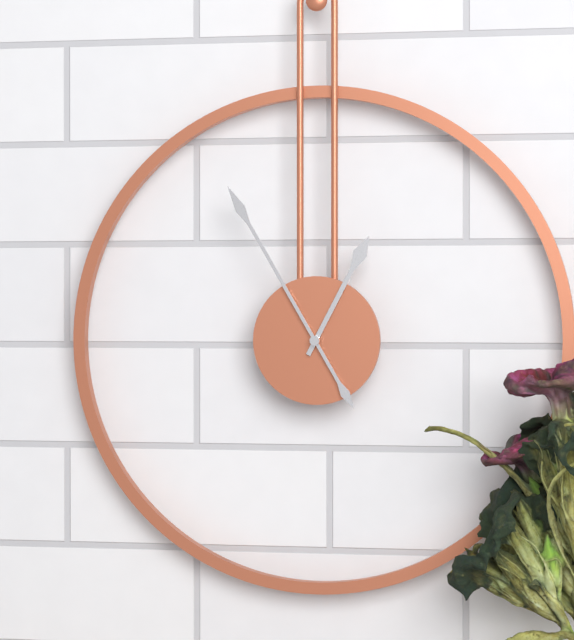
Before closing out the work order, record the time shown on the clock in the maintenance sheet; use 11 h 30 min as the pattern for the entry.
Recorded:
12 h 55 min
